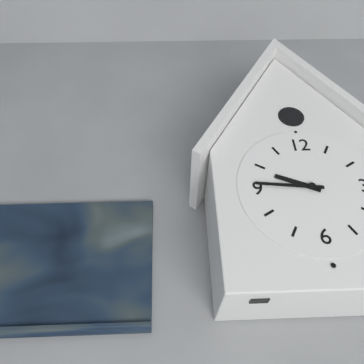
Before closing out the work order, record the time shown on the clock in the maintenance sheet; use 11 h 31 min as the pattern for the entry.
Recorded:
9 h 46 min
